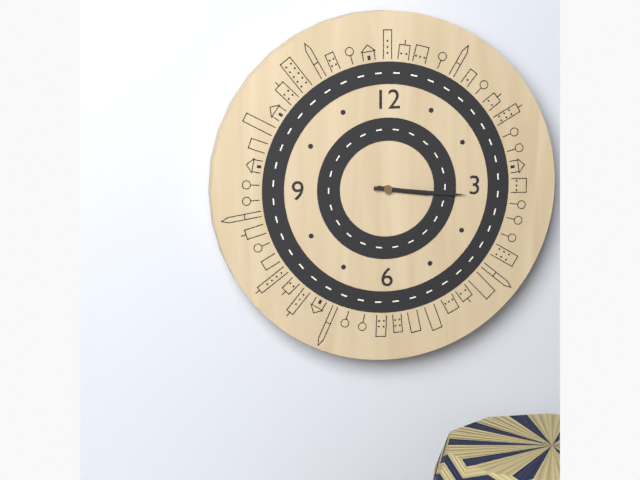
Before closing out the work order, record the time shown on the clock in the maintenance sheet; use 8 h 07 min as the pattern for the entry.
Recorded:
3 h 16 min
